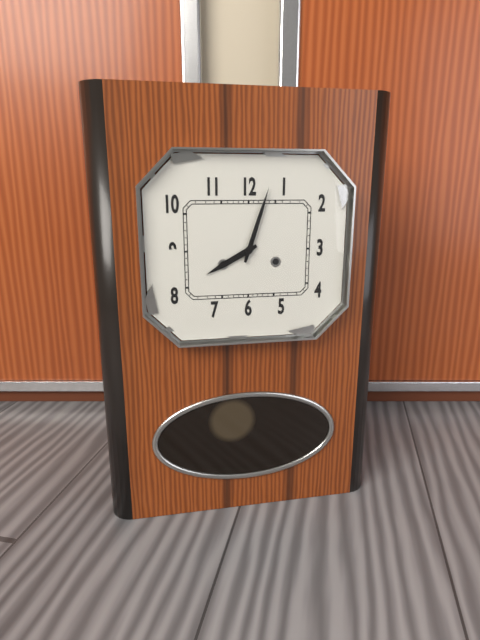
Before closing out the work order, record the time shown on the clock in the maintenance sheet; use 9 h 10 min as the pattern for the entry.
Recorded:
8 h 03 min
